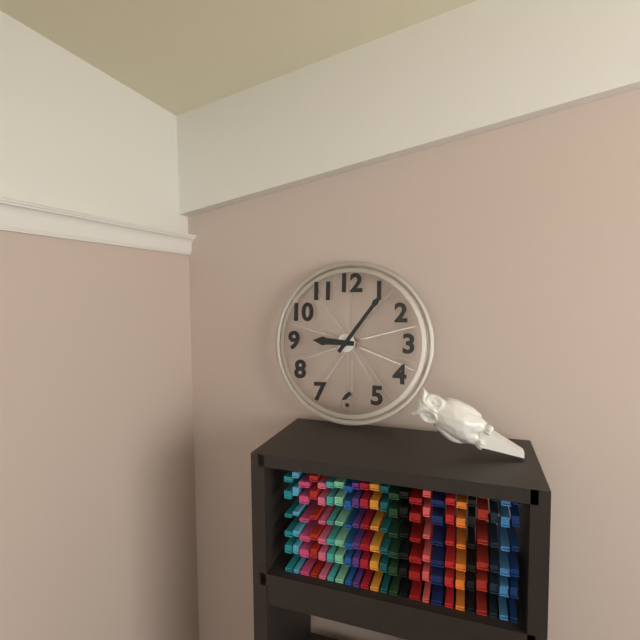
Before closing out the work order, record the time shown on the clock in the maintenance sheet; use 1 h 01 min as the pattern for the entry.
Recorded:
9 h 06 min
